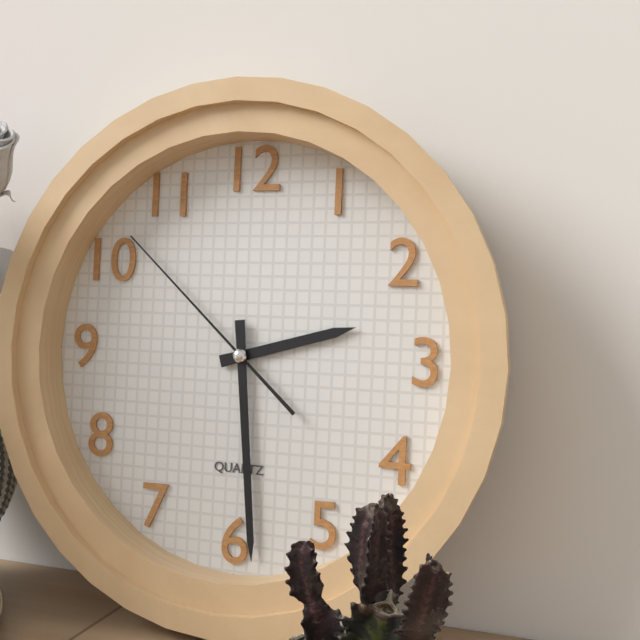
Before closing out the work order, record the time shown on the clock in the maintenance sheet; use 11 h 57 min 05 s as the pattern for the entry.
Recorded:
2 h 29 min 52 s
